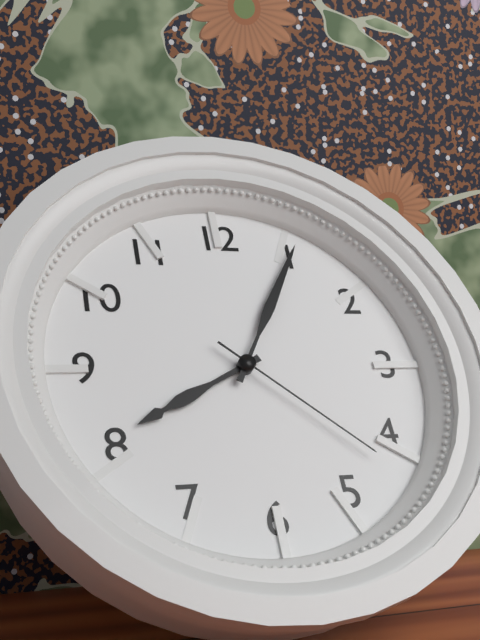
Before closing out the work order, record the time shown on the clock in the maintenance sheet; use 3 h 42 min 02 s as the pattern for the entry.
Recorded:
8 h 05 min 22 s
